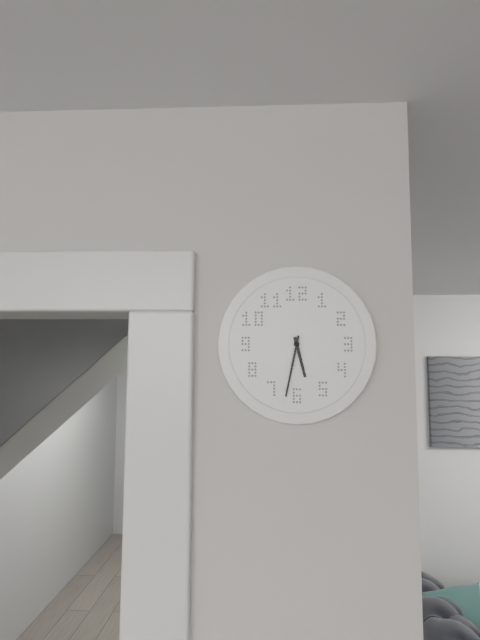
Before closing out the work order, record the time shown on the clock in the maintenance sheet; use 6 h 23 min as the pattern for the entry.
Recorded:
5 h 32 min
